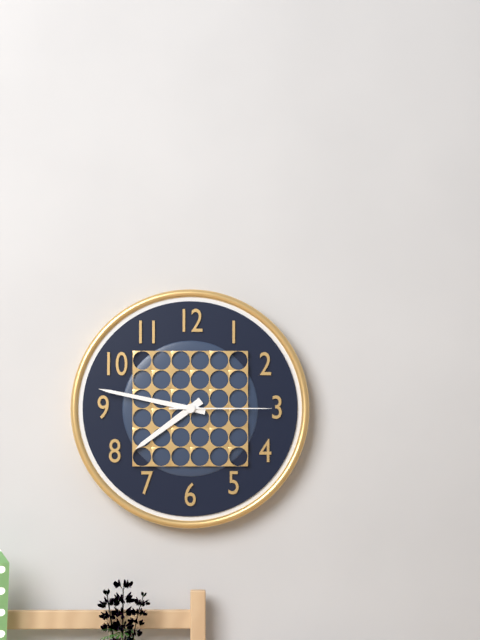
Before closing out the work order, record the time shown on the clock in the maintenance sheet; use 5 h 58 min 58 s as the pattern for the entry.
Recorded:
7 h 47 min 15 s
